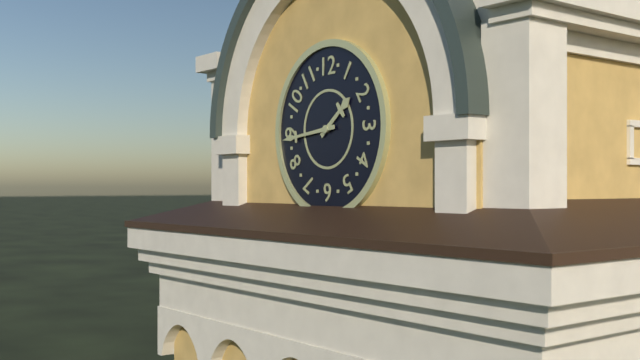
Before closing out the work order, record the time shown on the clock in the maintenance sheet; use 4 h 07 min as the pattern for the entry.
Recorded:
1 h 44 min
